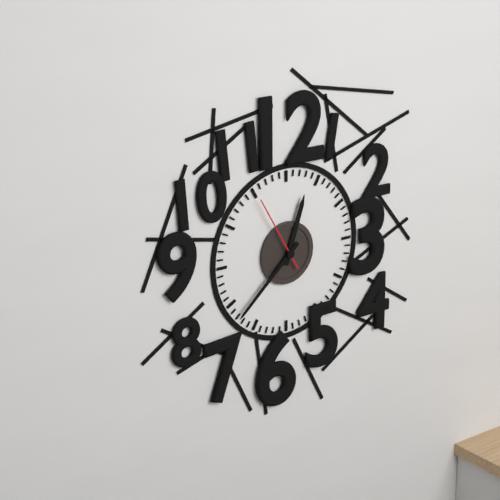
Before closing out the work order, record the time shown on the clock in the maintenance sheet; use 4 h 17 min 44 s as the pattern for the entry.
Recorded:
12 h 38 min 55 s
